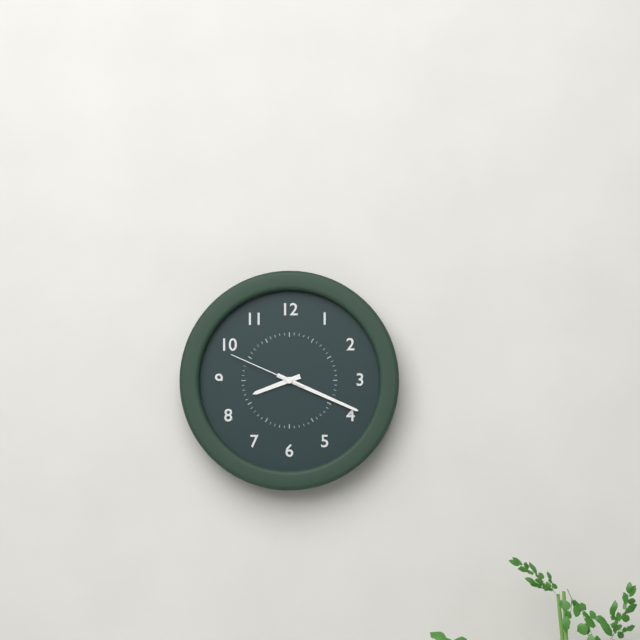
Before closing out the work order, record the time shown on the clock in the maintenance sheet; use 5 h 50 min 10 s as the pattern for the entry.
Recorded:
8 h 19 min 49 s
